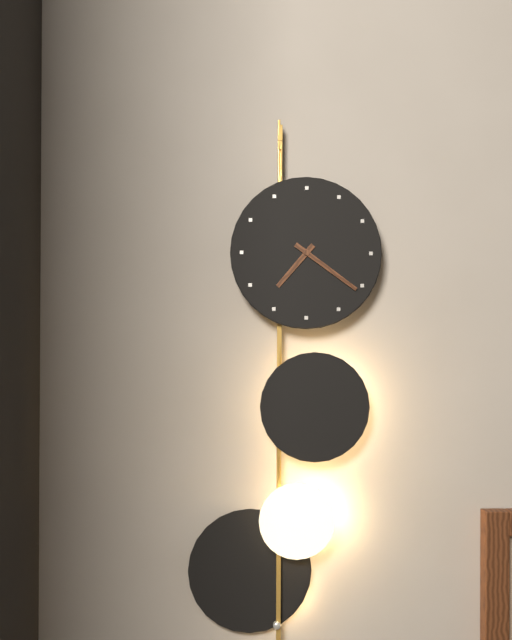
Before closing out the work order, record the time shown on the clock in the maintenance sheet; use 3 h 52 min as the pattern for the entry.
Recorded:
7 h 21 min
